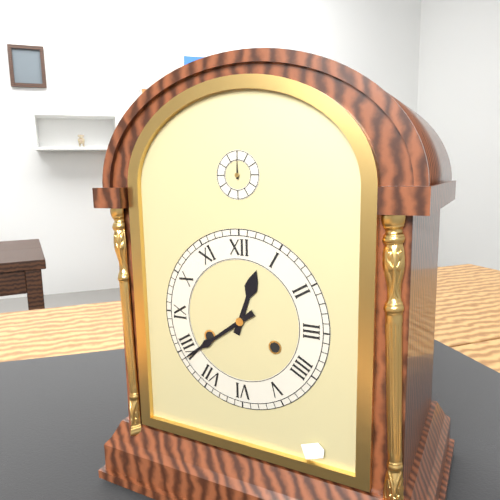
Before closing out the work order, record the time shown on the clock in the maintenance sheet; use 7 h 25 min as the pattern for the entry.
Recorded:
12 h 39 min
